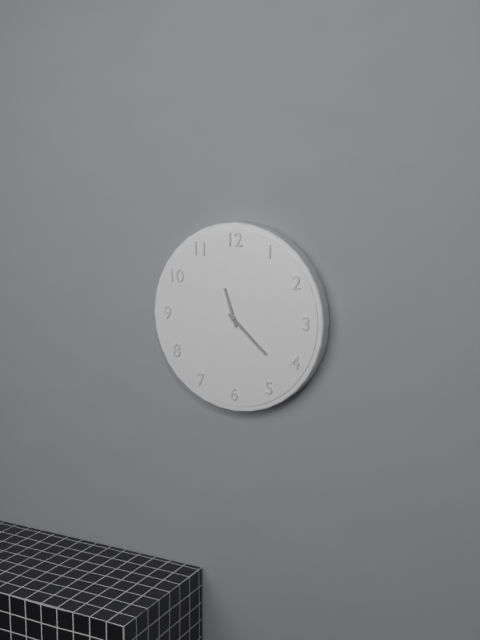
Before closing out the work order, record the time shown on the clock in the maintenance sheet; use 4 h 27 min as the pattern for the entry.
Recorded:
11 h 22 min
